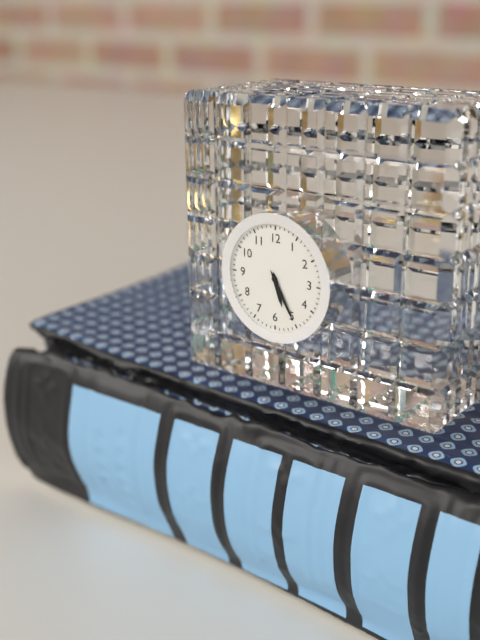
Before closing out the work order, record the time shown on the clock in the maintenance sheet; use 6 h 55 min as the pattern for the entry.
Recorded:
5 h 25 min
